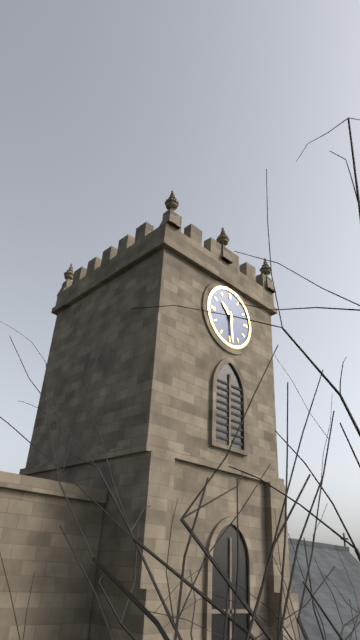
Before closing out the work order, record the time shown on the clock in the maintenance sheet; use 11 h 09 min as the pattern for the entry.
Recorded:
10 h 29 min
